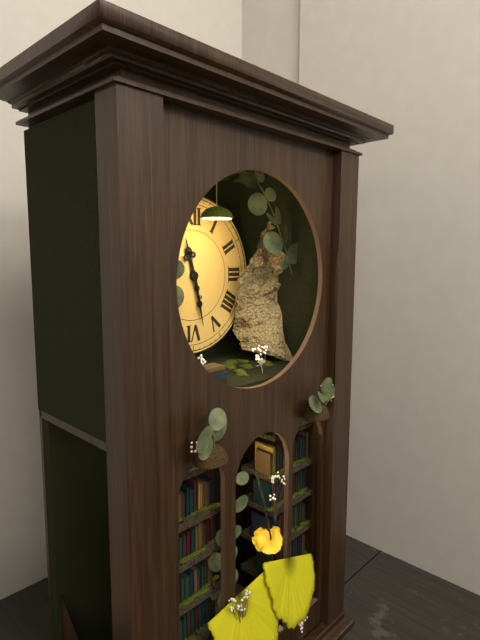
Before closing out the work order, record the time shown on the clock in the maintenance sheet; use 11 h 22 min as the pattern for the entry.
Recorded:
11 h 28 min
